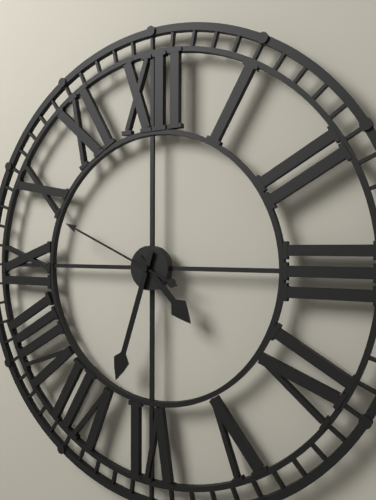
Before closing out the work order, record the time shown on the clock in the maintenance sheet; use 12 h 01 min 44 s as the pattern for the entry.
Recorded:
4 h 33 min 49 s
